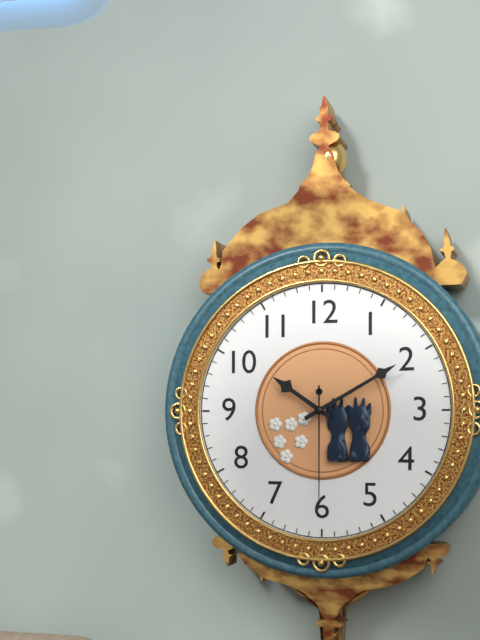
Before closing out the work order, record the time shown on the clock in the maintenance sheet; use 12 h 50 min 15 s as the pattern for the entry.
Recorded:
10 h 10 min 30 s
